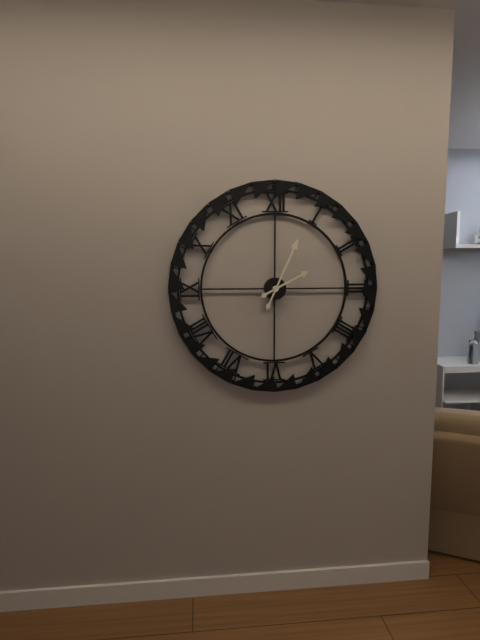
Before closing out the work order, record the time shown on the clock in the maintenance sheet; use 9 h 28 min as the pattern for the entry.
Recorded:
2 h 04 min
